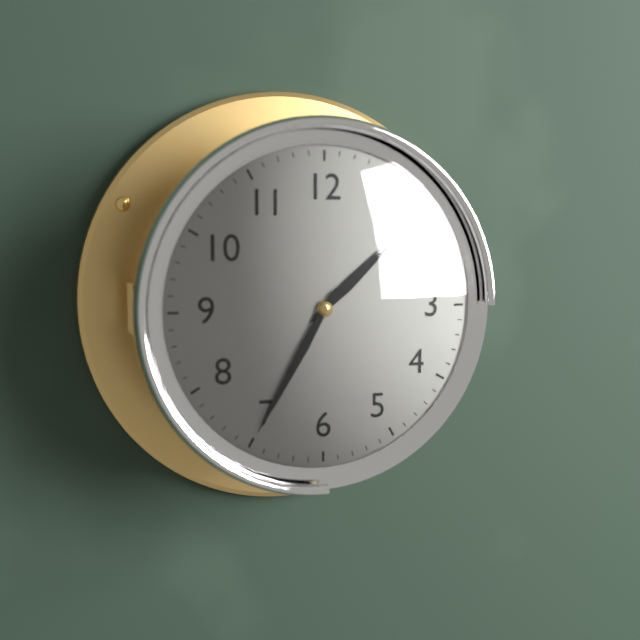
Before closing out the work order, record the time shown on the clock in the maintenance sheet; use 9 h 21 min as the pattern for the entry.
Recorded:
1 h 35 min
